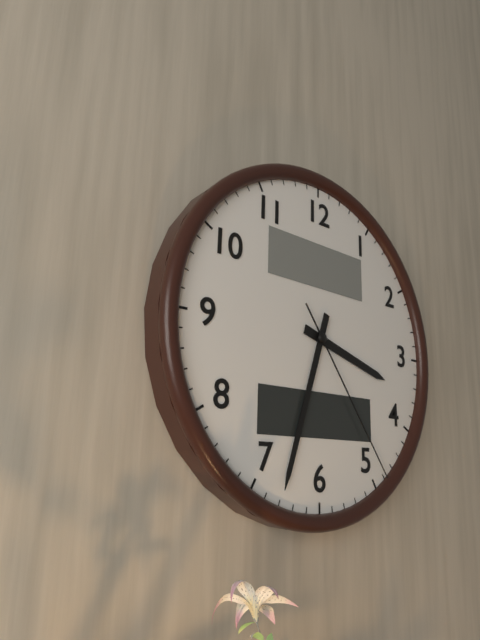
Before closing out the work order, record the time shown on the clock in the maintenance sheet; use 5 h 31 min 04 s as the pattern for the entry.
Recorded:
3 h 33 min 24 s
